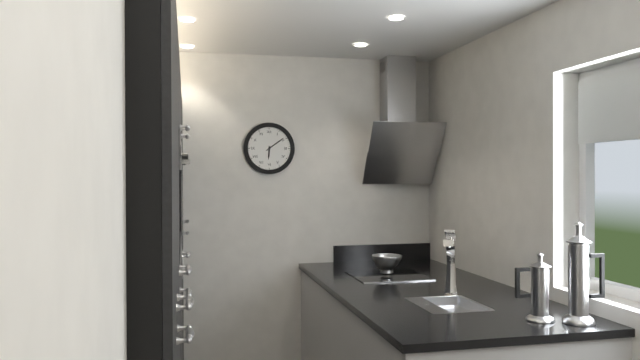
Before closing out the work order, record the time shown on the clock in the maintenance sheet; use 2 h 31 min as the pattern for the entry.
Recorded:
6 h 09 min
